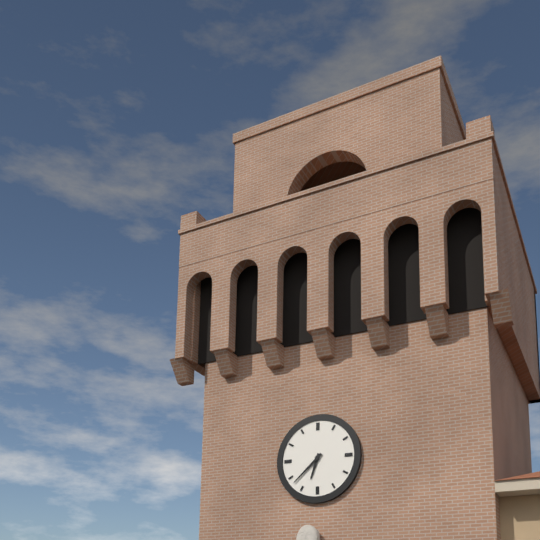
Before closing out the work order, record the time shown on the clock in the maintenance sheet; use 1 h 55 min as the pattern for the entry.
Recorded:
6 h 38 min
